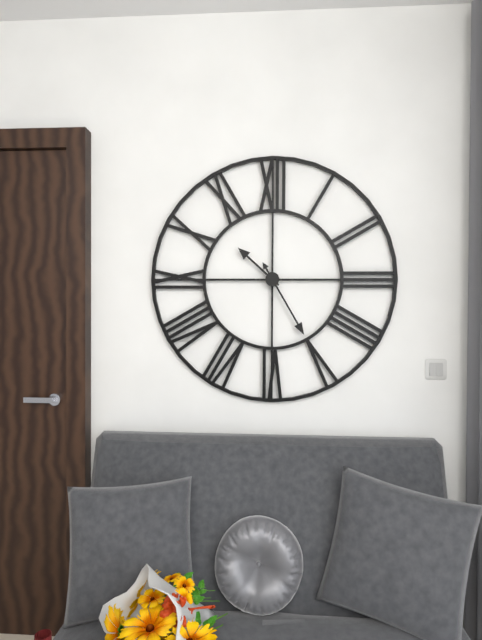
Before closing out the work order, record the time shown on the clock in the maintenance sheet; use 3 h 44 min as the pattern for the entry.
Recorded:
10 h 25 min
